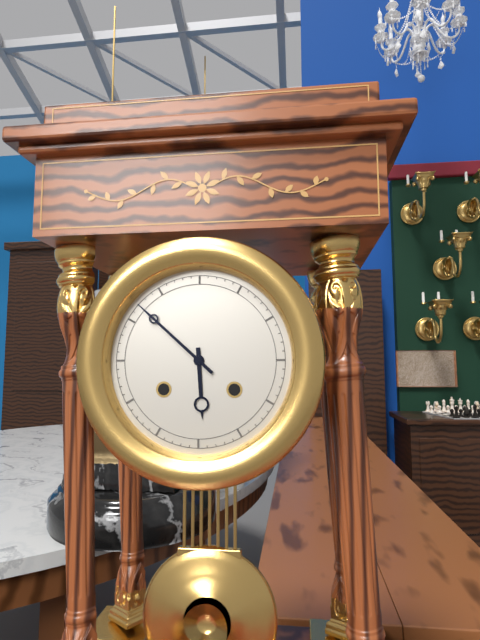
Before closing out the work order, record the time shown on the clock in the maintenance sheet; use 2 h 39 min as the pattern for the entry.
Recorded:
5 h 52 min
